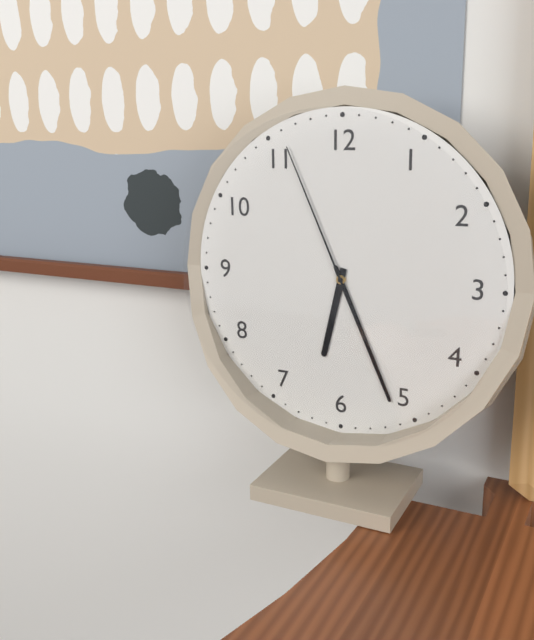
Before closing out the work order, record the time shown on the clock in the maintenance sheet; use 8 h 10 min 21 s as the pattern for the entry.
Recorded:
6 h 26 min 56 s
